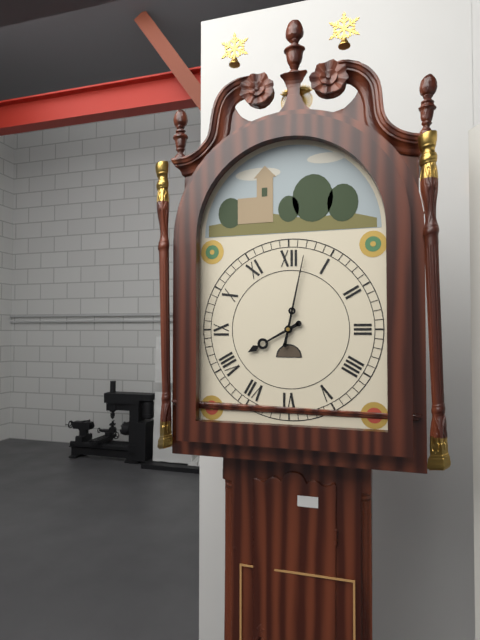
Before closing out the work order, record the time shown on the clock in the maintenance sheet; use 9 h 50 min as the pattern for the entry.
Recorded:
8 h 02 min
